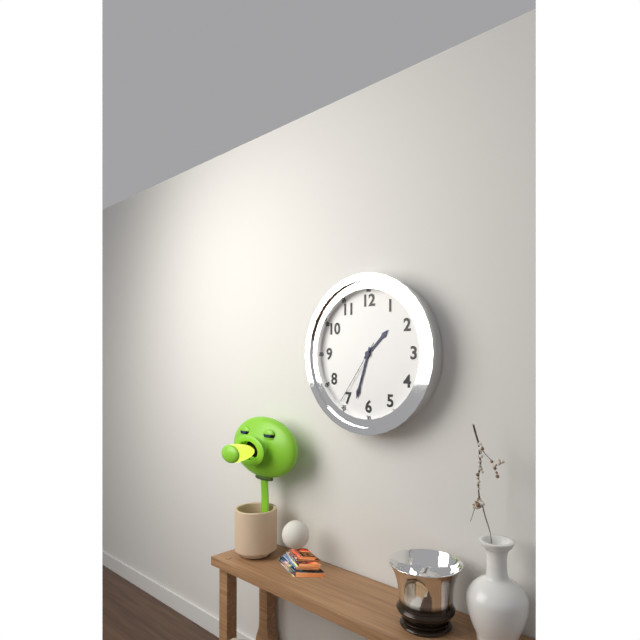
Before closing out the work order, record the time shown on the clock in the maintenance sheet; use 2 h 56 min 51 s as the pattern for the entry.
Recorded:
1 h 33 min 36 s
